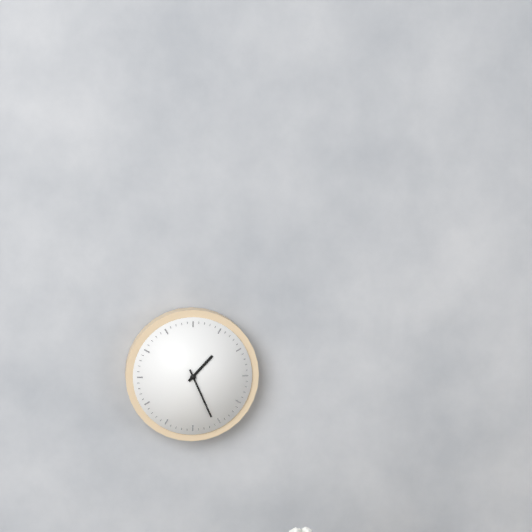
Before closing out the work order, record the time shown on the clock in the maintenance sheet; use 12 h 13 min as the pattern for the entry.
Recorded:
1 h 26 min
